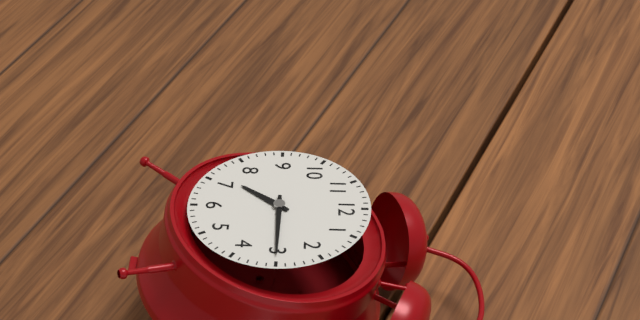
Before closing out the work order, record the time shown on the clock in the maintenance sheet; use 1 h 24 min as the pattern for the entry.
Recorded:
7 h 15 min
